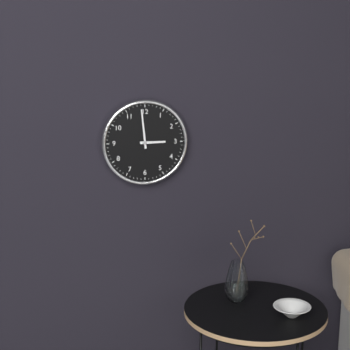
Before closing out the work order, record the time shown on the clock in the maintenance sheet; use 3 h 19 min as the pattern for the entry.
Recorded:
2 h 59 min
